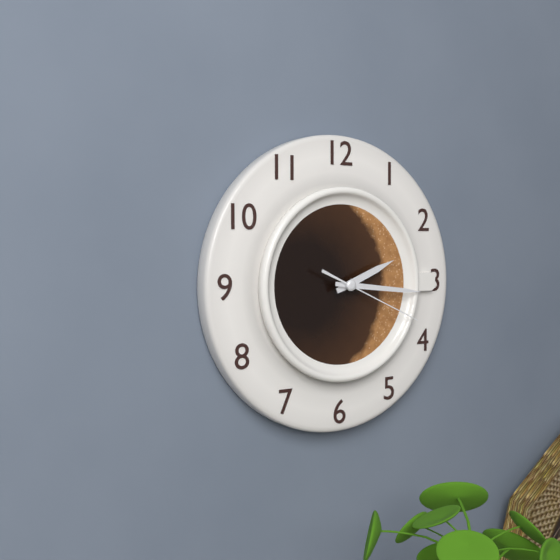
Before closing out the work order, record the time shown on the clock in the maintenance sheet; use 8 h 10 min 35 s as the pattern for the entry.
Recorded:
2 h 16 min 19 s
